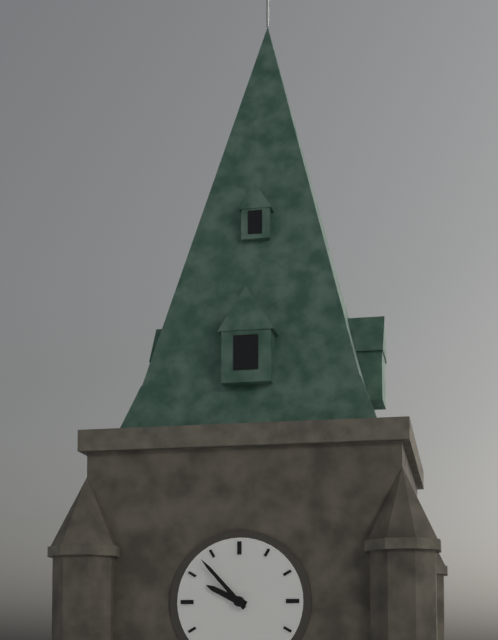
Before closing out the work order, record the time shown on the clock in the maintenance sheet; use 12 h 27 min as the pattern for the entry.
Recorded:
9 h 53 min
